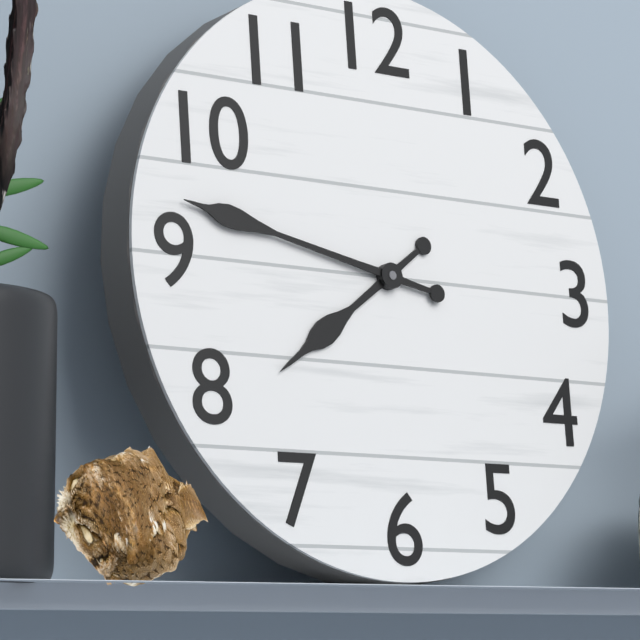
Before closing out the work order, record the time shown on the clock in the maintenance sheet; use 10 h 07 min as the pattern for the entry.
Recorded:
7 h 47 min
